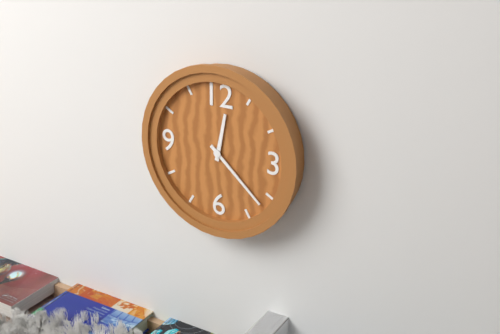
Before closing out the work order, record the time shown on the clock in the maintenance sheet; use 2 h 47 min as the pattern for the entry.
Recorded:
12 h 22 min
